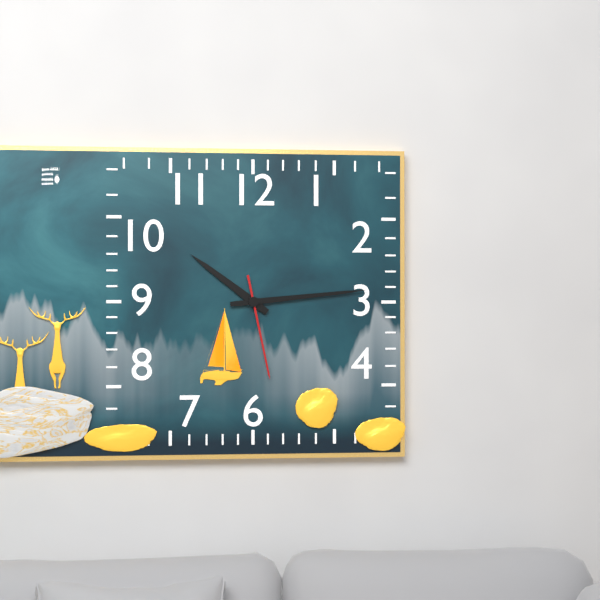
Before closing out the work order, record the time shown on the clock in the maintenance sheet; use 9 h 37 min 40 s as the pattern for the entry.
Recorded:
10 h 14 min 28 s
